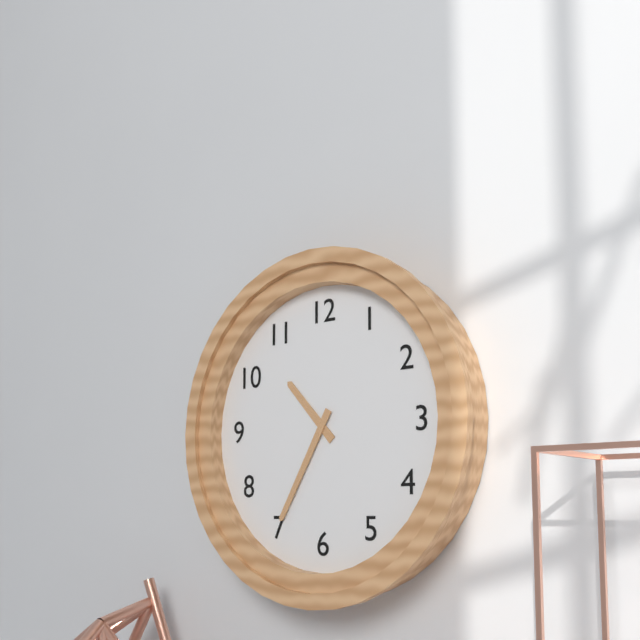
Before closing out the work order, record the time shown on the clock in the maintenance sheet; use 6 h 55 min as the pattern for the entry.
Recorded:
10 h 35 min
